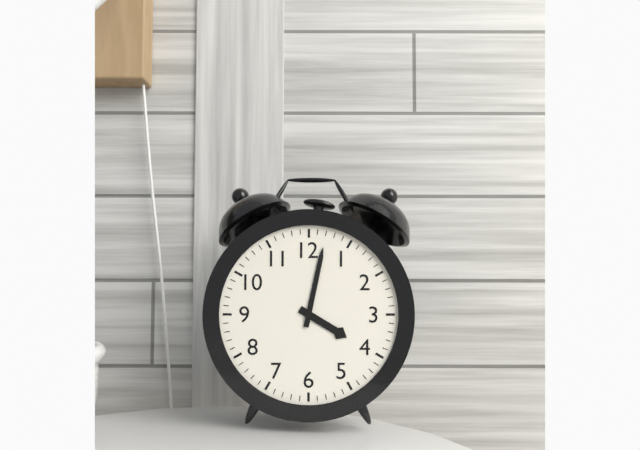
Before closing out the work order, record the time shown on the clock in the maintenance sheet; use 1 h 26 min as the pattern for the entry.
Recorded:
4 h 02 min
